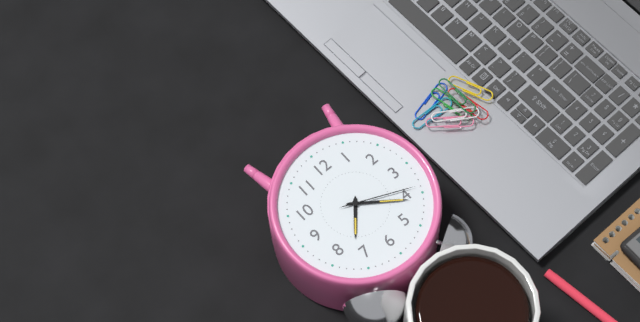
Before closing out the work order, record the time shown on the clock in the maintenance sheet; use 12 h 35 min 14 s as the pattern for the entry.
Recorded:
7 h 21 min 19 s
